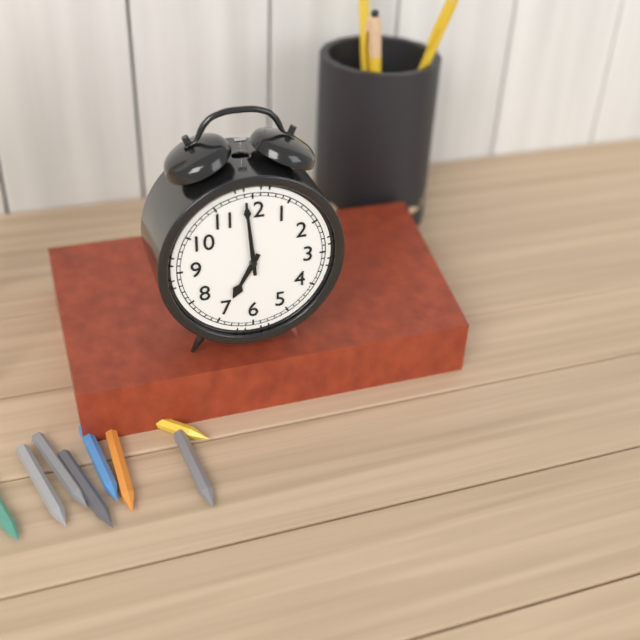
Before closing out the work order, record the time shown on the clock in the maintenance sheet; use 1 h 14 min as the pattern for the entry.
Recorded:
6 h 59 min
